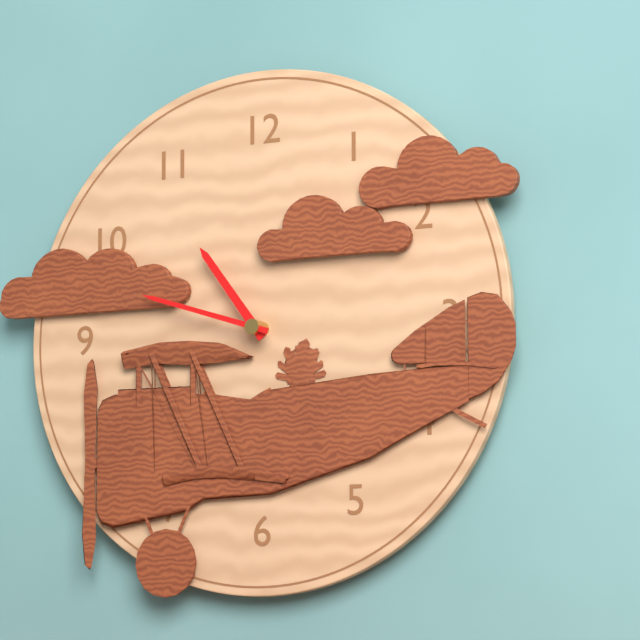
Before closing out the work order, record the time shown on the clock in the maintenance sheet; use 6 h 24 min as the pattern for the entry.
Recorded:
10 h 48 min
